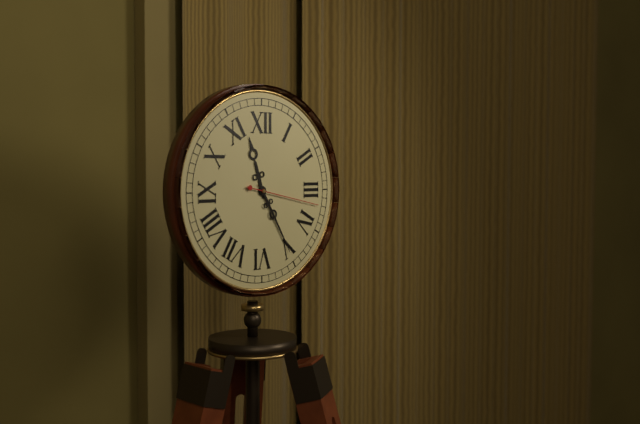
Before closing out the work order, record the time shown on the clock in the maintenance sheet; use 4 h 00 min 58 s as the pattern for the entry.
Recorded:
11 h 25 min 17 s
